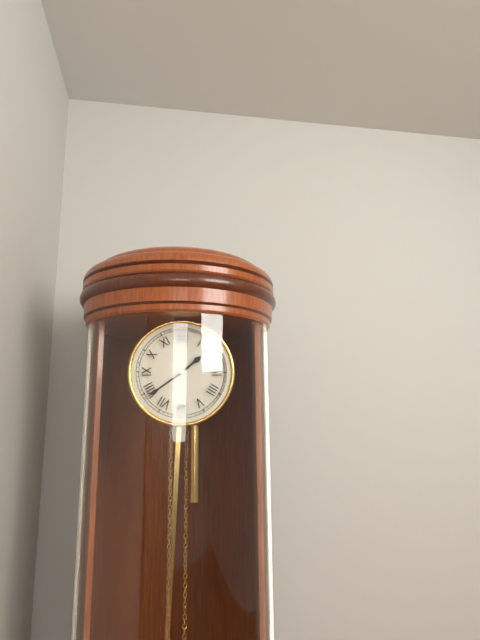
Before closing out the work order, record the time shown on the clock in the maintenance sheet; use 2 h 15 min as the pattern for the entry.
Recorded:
1 h 39 min
